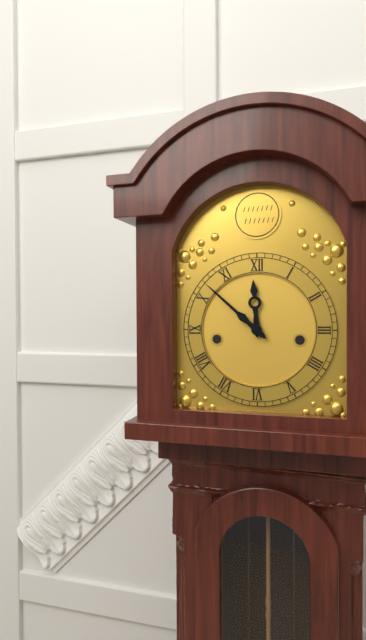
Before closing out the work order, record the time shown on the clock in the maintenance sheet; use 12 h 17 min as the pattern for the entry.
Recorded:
11 h 52 min
